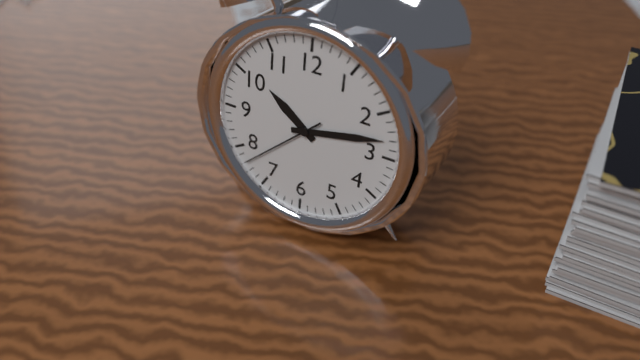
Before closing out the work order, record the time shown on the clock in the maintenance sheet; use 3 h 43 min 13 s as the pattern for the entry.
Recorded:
10 h 13 min 38 s
